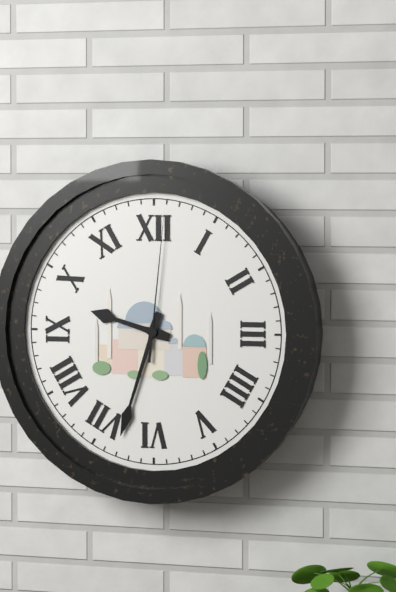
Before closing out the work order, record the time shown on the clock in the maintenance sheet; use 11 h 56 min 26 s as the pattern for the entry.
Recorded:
9 h 33 min 01 s
